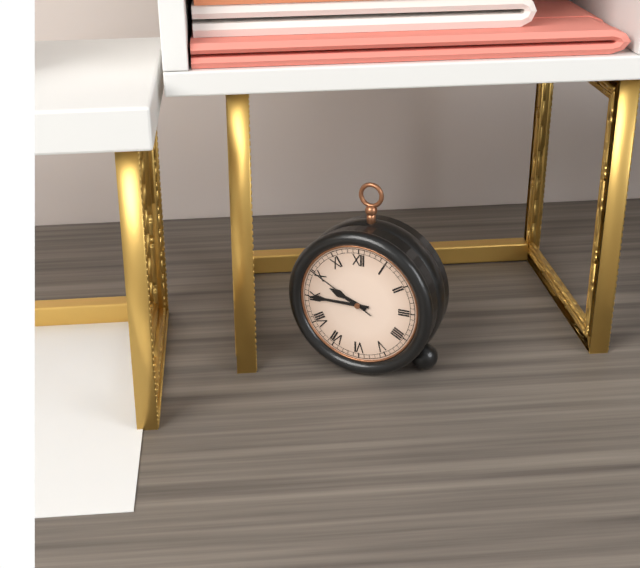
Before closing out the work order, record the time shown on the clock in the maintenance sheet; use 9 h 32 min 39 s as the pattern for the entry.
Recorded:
9 h 45 min 50 s
